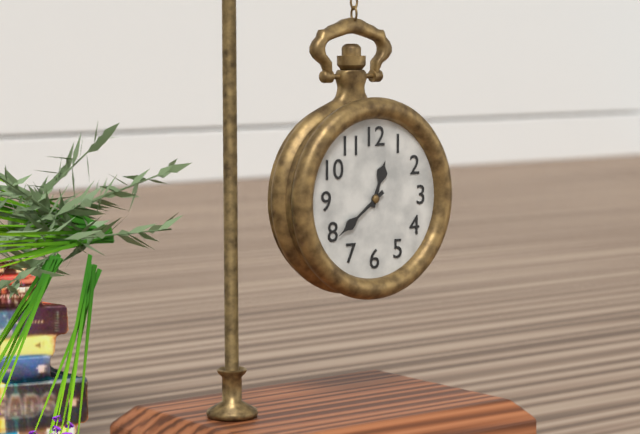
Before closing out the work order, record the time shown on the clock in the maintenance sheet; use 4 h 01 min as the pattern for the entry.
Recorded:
12 h 39 min
